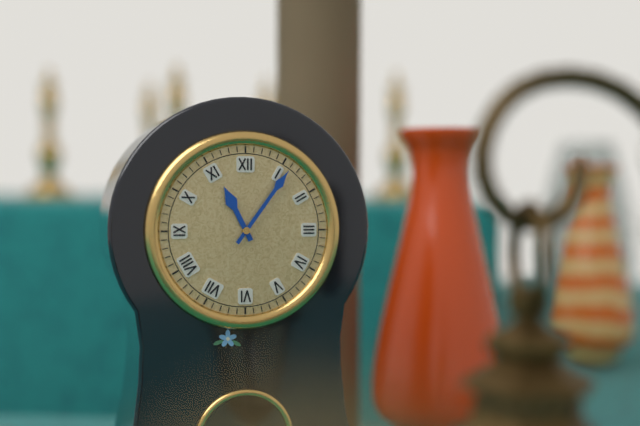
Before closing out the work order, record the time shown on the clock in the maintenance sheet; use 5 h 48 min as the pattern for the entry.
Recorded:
11 h 06 min
